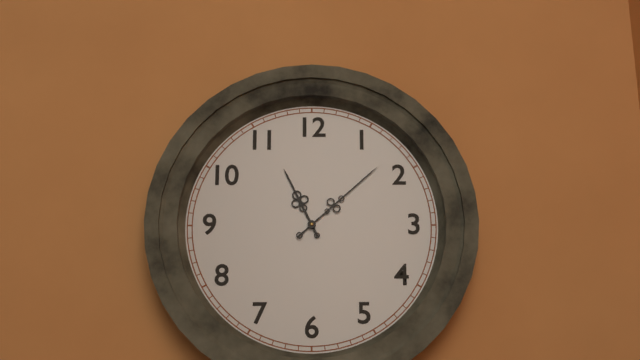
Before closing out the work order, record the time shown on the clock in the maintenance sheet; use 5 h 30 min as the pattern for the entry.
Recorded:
11 h 08 min
